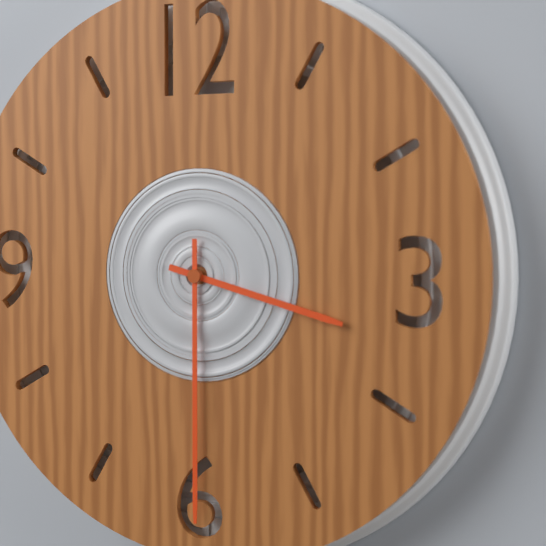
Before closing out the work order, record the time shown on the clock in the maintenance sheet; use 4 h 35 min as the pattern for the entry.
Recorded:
3 h 30 min
